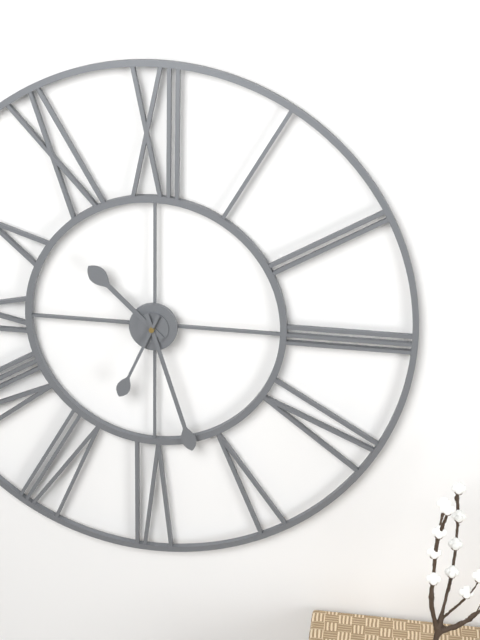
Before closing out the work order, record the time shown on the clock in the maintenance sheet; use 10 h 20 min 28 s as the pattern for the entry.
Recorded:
10 h 27 min 34 s
